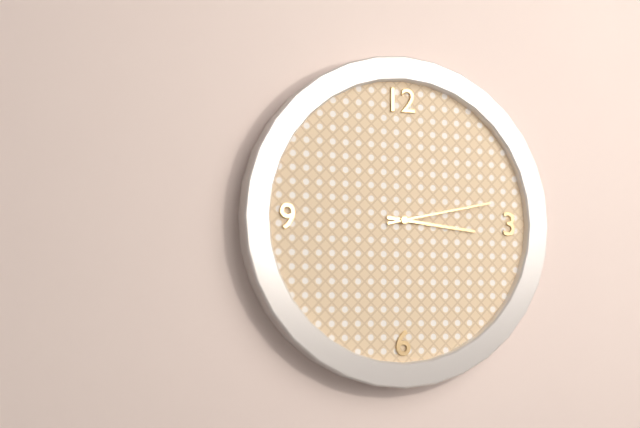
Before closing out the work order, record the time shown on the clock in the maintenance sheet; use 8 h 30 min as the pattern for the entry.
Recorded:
3 h 13 min
